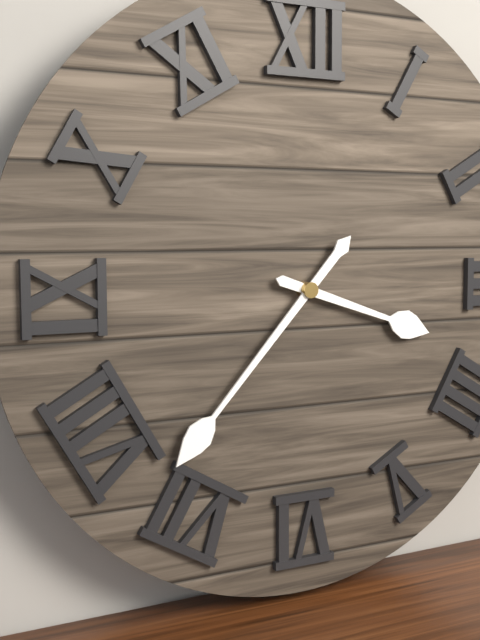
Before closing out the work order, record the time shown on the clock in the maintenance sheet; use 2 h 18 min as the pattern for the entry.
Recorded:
3 h 37 min
